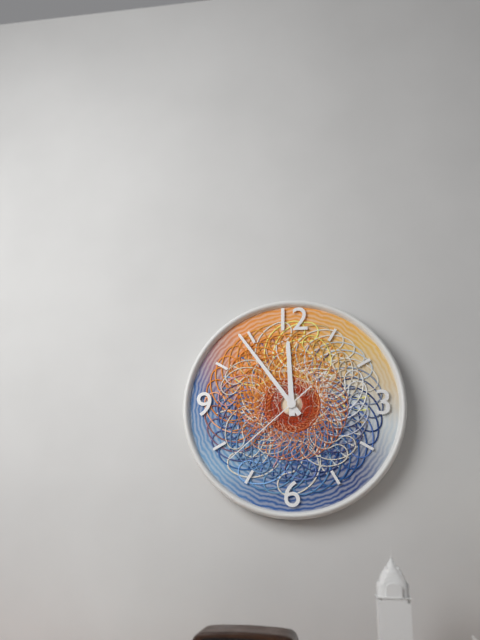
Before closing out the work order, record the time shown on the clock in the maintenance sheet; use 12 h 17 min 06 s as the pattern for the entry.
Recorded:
11 h 54 min 38 s
